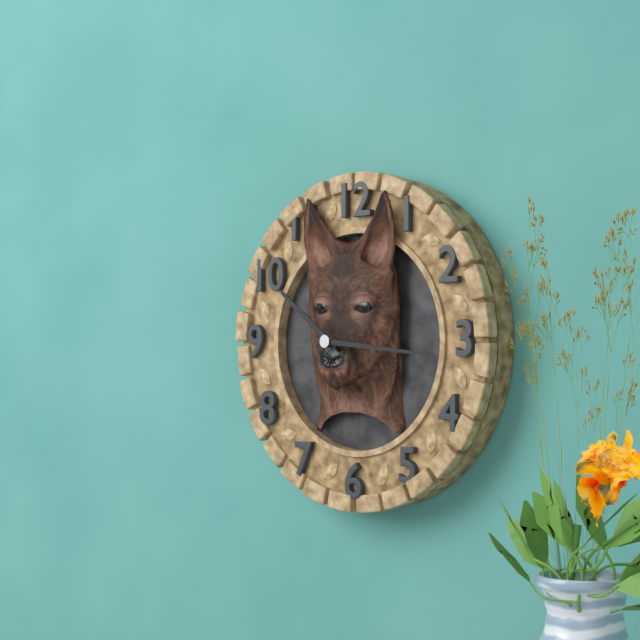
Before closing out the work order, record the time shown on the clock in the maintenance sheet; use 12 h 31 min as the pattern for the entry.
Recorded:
10 h 16 min
